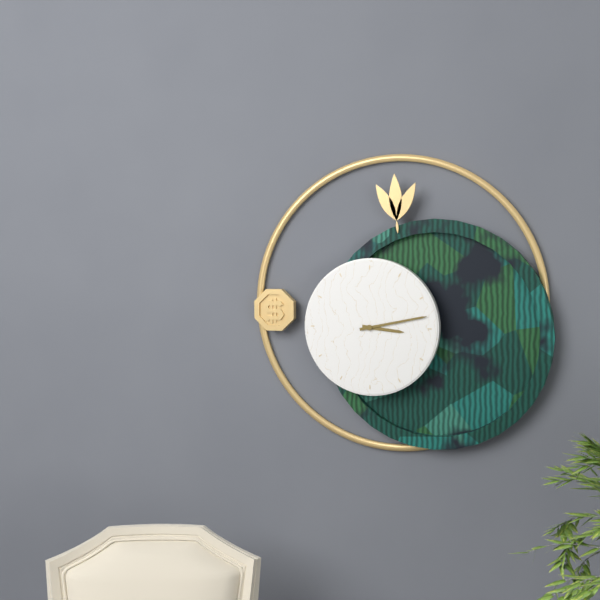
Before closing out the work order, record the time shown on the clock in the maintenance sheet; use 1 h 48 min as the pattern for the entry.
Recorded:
3 h 13 min
